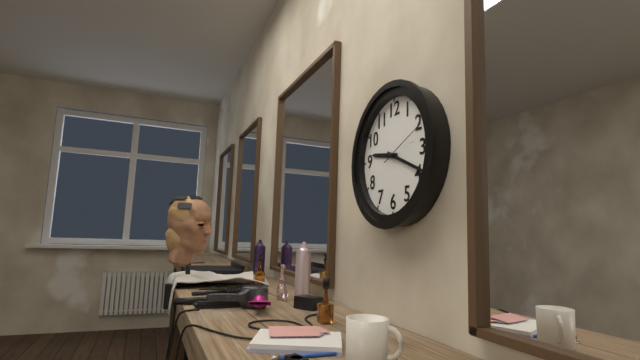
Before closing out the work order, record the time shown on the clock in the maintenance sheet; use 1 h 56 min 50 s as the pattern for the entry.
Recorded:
9 h 19 min 11 s
